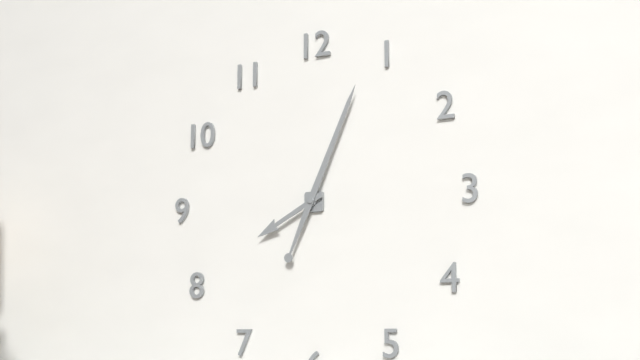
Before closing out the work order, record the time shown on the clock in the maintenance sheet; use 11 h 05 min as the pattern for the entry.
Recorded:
8 h 04 min
